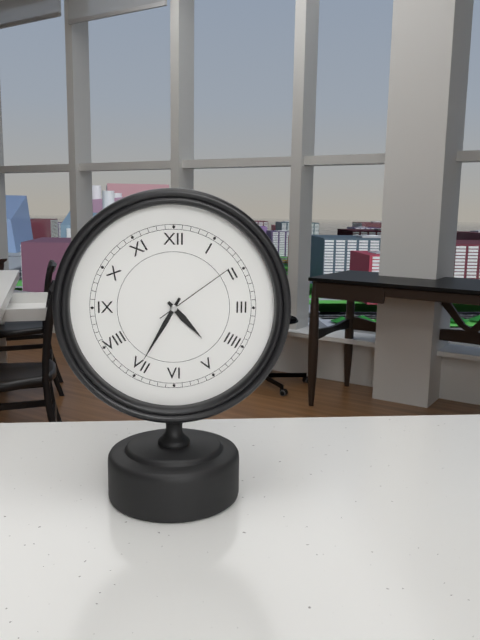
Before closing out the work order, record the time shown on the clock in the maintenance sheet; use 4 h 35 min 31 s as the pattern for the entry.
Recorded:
4 h 35 min 09 s
